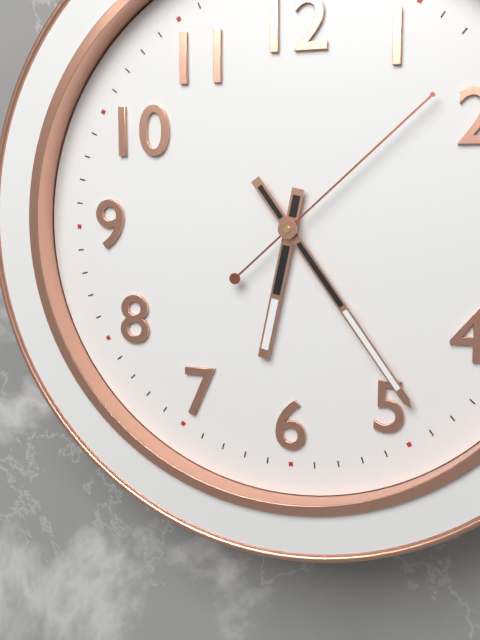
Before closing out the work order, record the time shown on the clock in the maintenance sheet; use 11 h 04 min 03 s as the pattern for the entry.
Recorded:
6 h 24 min 08 s
